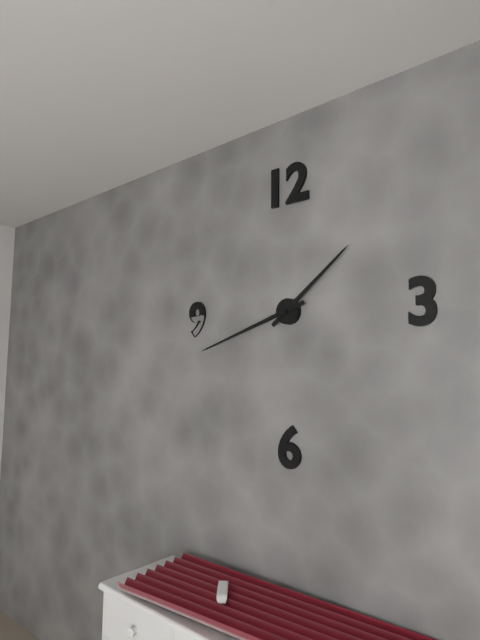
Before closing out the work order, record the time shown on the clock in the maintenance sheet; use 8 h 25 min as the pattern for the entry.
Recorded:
1 h 42 min
